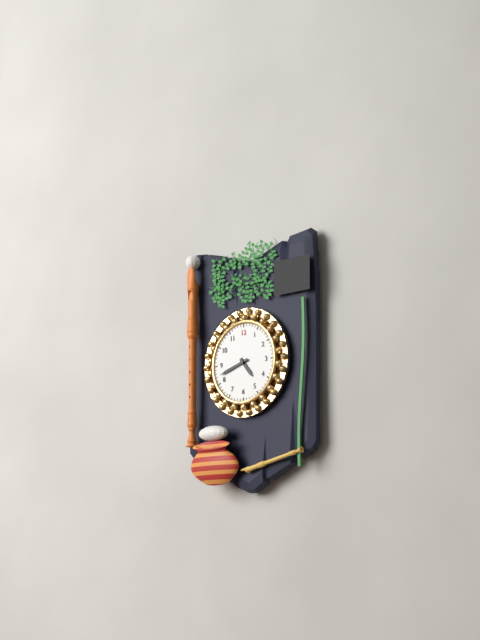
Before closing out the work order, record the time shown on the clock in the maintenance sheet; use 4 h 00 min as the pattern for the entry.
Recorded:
4 h 42 min
